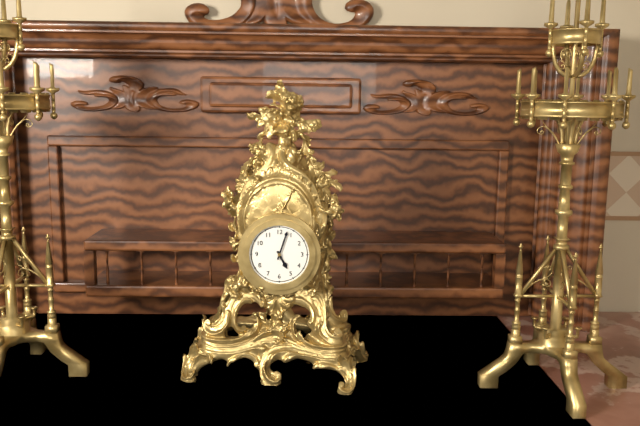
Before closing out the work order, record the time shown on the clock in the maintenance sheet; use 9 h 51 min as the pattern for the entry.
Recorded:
5 h 03 min
